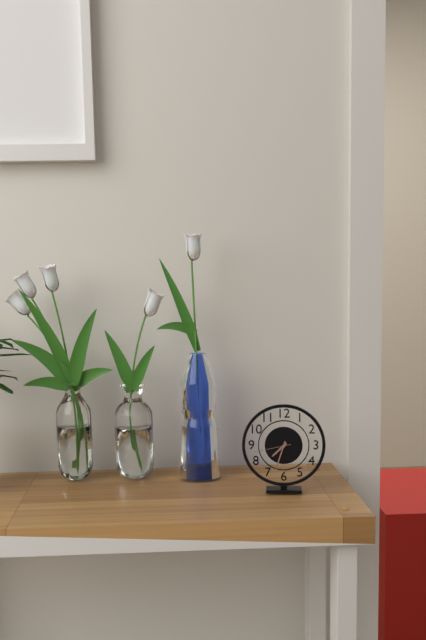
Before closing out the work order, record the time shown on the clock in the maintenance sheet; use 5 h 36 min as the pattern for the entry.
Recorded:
7 h 33 min
